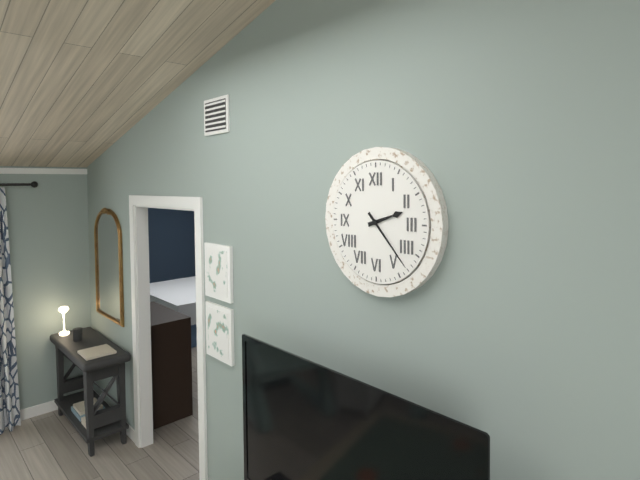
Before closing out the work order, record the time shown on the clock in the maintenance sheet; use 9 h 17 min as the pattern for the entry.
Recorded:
2 h 23 min
